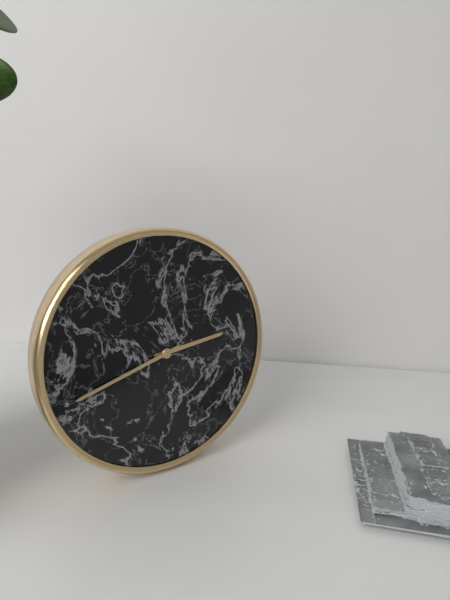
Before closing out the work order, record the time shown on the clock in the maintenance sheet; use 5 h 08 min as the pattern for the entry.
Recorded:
2 h 42 min
